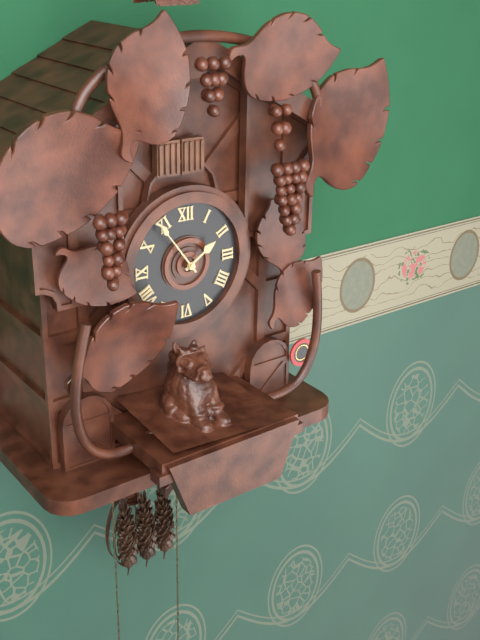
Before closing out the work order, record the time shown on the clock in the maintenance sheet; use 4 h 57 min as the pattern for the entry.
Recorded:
1 h 54 min
